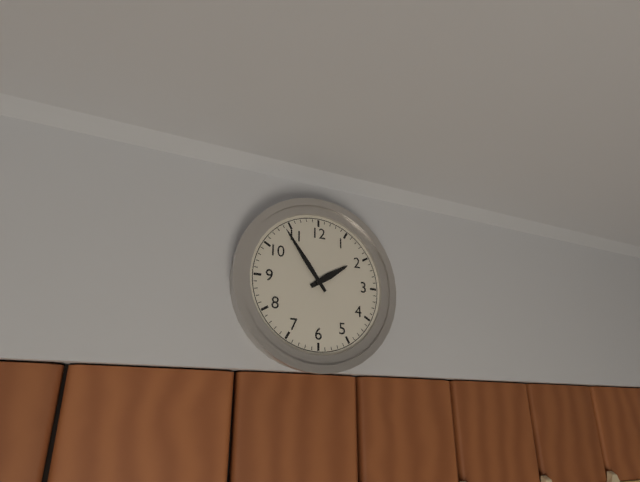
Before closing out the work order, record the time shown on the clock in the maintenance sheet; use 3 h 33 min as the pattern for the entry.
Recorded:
1 h 54 min
